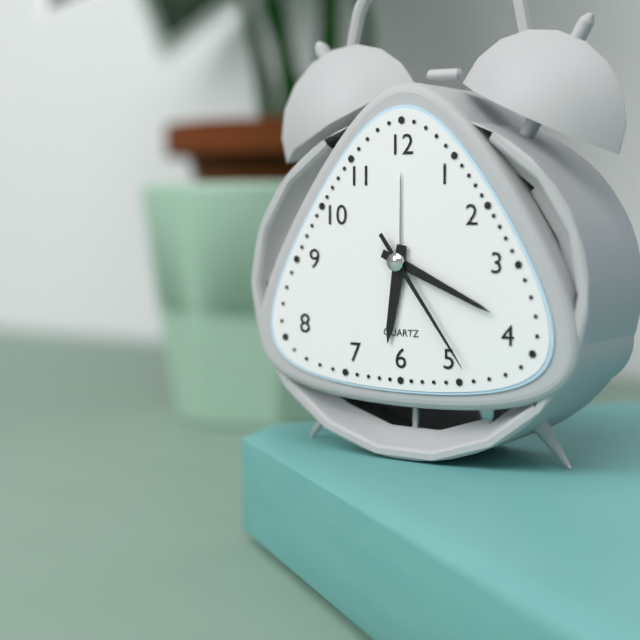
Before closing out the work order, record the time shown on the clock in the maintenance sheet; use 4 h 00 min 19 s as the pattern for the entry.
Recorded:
6 h 19 min 24 s
